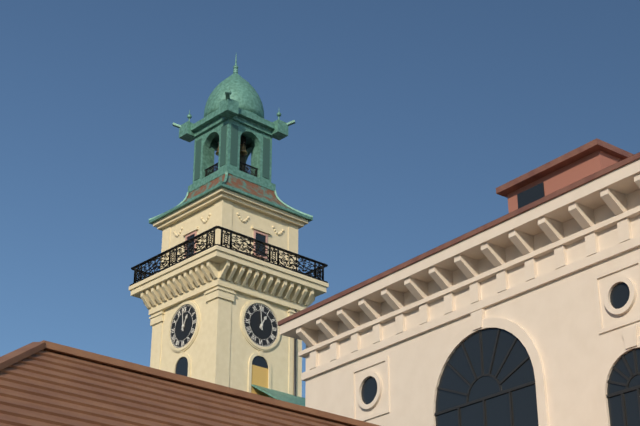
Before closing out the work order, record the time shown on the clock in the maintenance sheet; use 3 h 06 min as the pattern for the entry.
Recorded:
12 h 59 min
